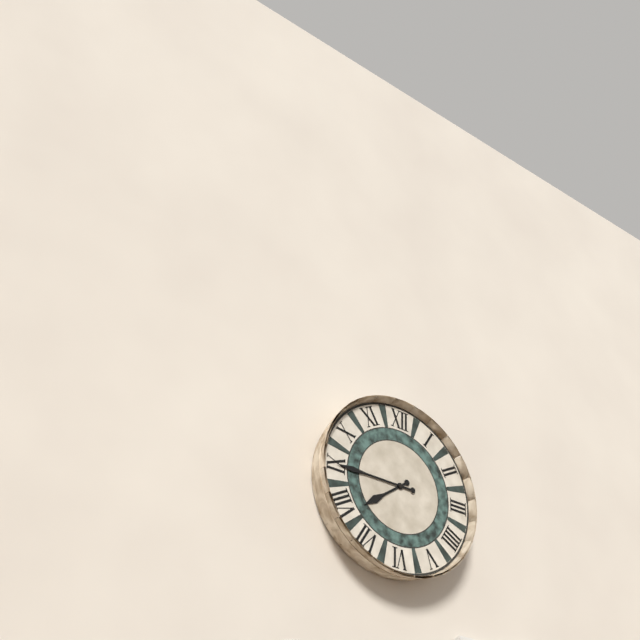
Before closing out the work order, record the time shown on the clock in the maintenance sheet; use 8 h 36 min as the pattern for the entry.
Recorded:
7 h 45 min
